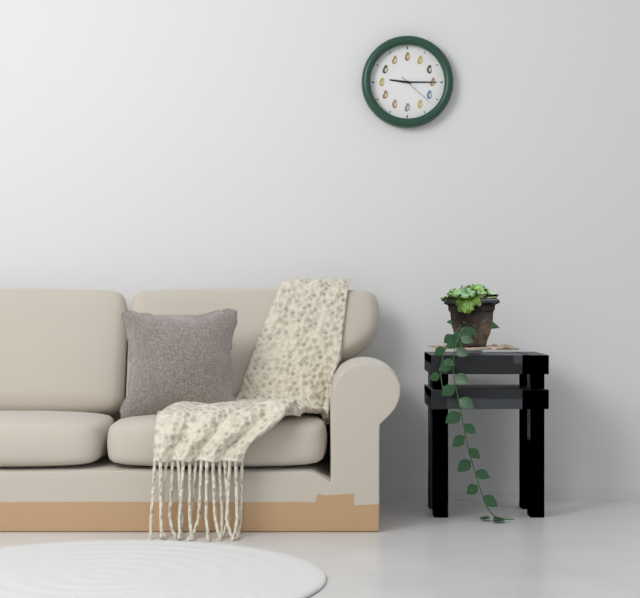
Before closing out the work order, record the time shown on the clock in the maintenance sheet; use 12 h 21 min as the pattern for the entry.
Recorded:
9 h 15 min
